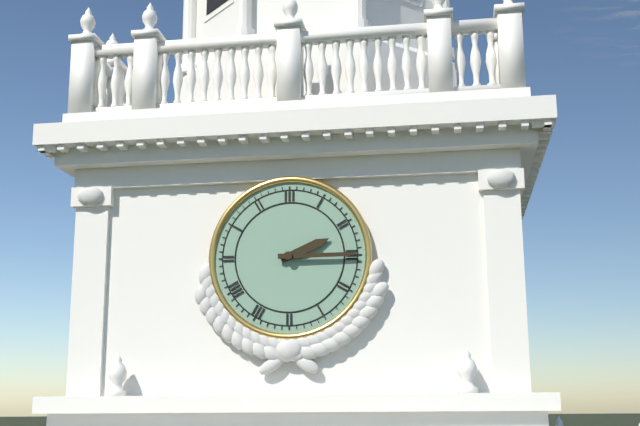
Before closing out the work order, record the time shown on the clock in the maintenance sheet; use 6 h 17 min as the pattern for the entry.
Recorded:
2 h 15 min
